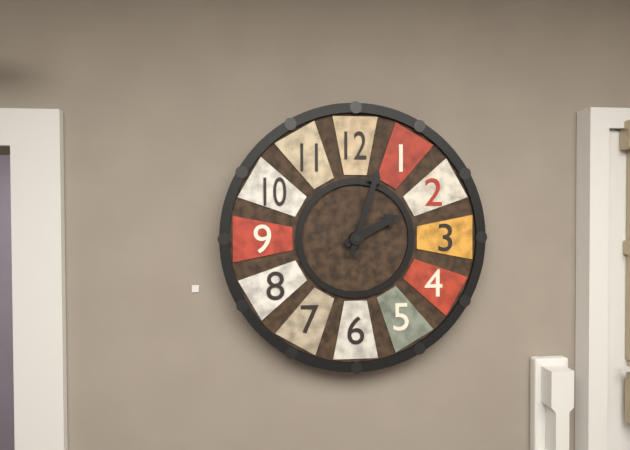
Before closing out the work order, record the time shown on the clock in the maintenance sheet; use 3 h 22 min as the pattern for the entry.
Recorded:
2 h 03 min
